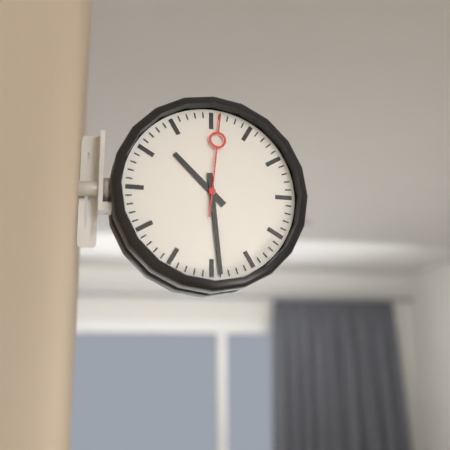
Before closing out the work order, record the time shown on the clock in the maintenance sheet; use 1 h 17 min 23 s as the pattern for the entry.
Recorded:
10 h 29 min 01 s
